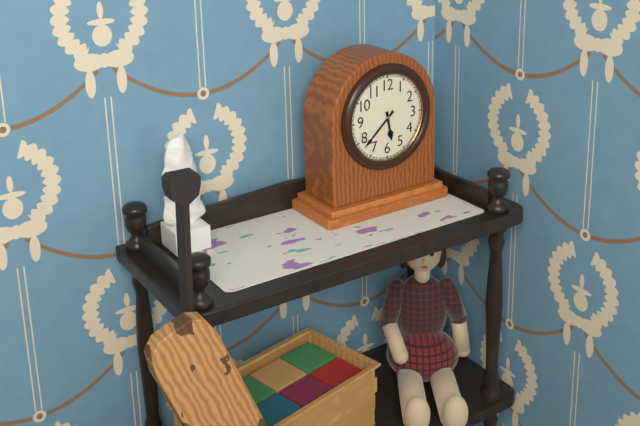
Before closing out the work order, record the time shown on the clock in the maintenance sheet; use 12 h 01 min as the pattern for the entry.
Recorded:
5 h 38 min
